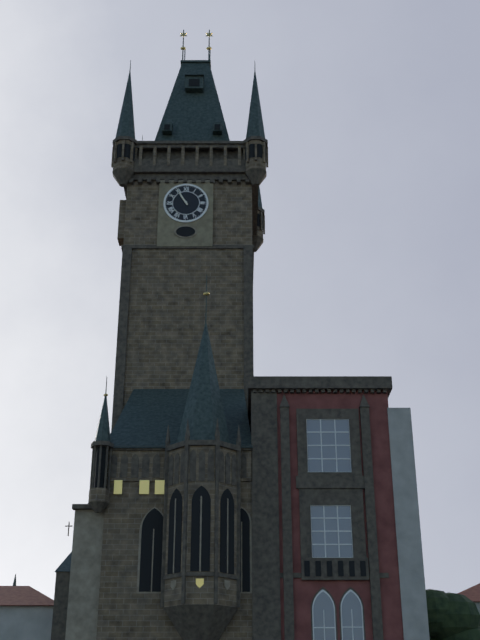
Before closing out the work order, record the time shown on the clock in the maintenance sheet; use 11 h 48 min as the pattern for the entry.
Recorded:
10 h 55 min
